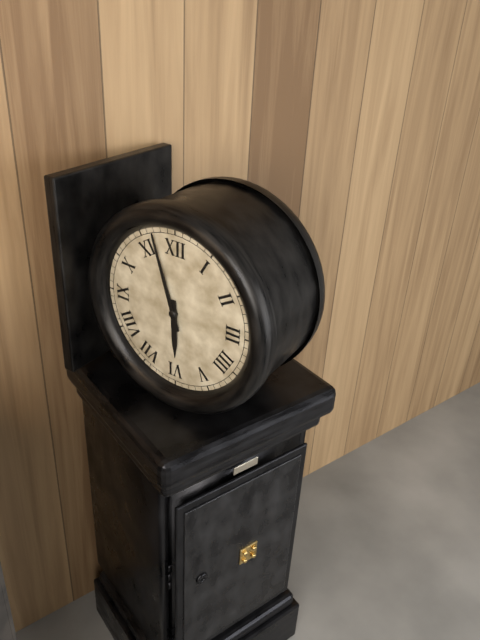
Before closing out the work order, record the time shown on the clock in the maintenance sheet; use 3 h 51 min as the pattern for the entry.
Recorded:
5 h 57 min
